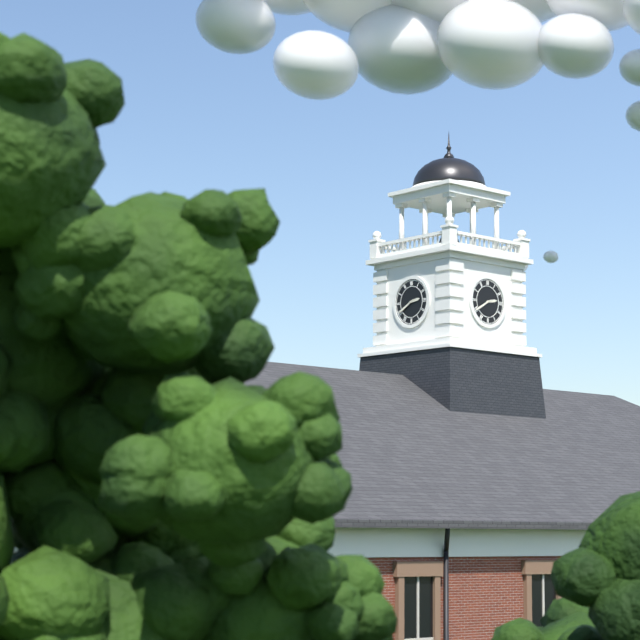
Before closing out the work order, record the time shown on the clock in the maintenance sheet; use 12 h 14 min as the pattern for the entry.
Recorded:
2 h 40 min
